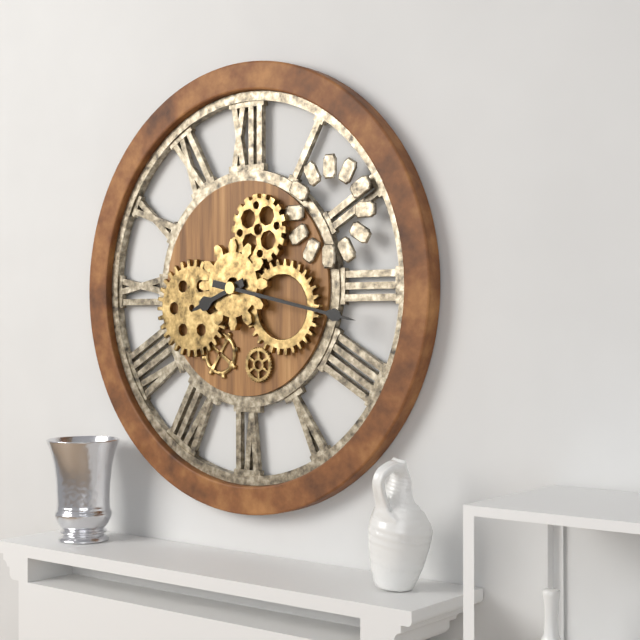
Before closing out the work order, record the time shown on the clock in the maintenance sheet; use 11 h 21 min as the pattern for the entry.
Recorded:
8 h 17 min
